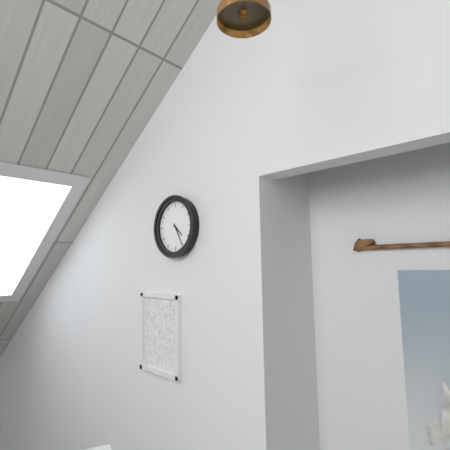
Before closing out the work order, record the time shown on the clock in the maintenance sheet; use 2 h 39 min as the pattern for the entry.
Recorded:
4 h 25 min
